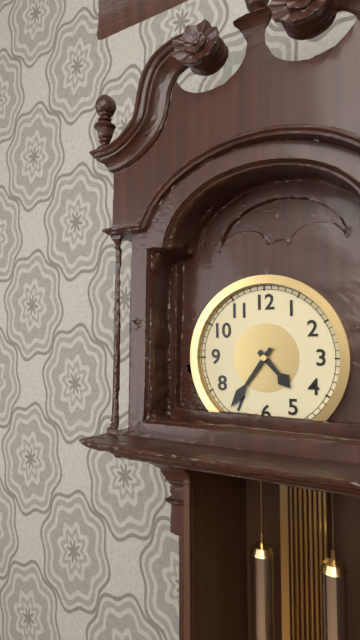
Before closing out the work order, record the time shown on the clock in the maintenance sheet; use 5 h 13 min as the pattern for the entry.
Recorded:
4 h 36 min
